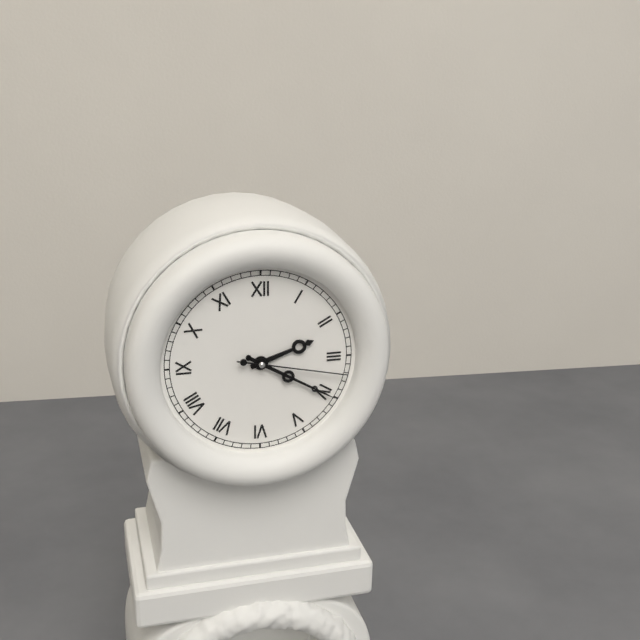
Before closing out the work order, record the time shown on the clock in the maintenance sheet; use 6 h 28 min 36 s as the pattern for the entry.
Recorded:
2 h 20 min 17 s
